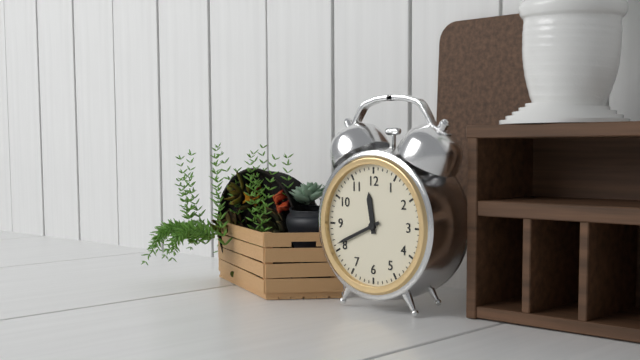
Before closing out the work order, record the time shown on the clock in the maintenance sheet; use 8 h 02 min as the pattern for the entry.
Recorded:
11 h 41 min
